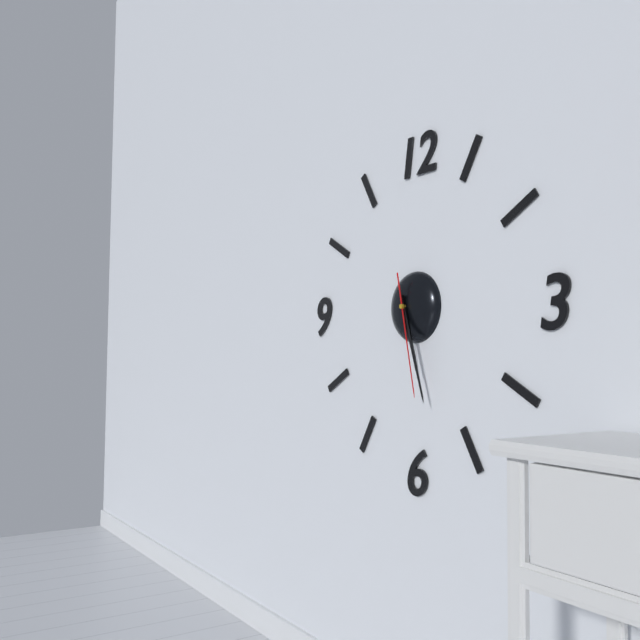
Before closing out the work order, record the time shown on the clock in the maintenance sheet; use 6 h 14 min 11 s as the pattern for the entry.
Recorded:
5 h 27 min 28 s
